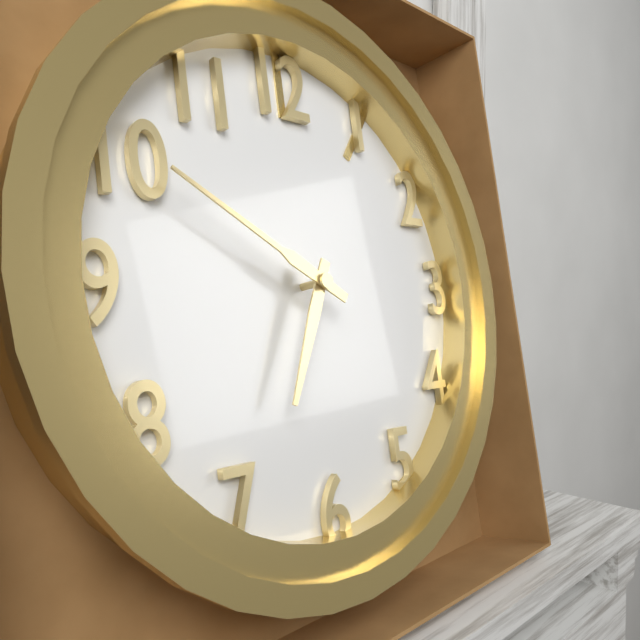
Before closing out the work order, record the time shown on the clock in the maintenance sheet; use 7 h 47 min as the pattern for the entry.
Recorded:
6 h 50 min
